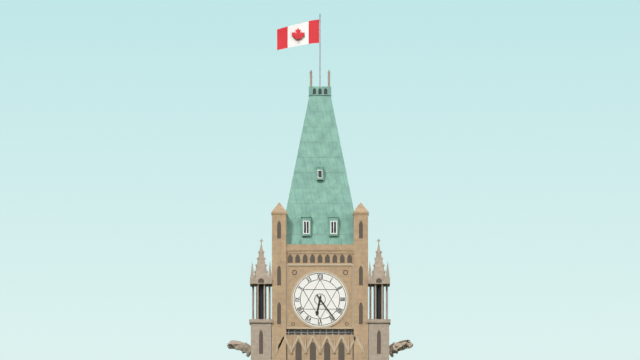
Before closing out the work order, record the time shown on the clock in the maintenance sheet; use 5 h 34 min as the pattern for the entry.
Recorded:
6 h 24 min
